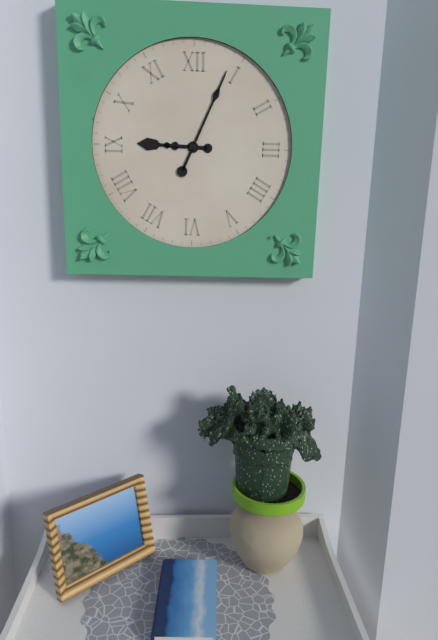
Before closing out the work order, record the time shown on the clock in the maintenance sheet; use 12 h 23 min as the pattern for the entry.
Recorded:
9 h 04 min
